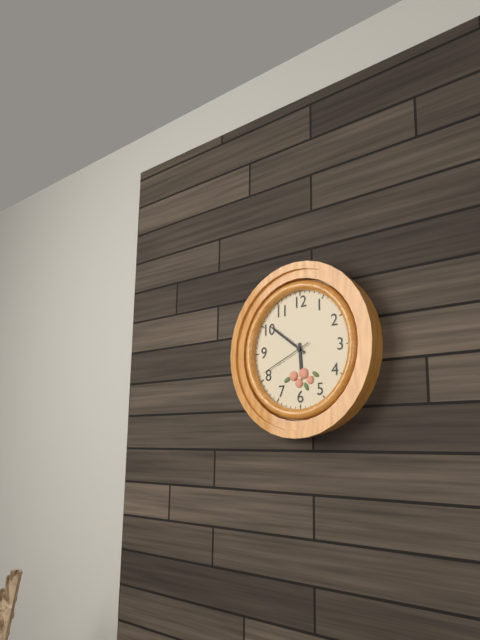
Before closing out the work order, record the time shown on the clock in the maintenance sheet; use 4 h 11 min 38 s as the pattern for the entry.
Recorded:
5 h 51 min 41 s
